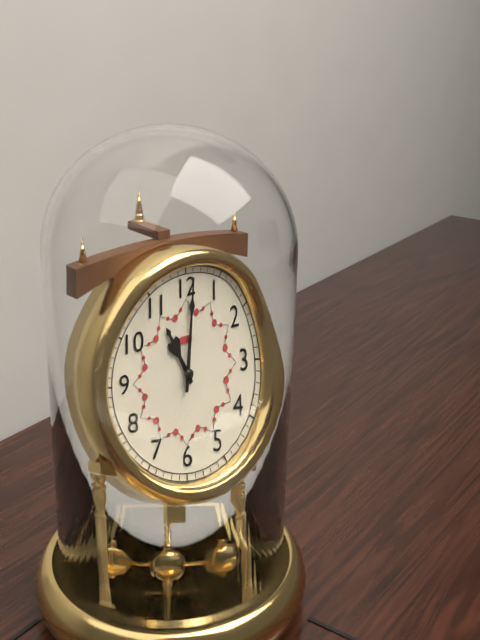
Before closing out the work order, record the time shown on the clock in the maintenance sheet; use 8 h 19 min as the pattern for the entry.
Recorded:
11 h 01 min
